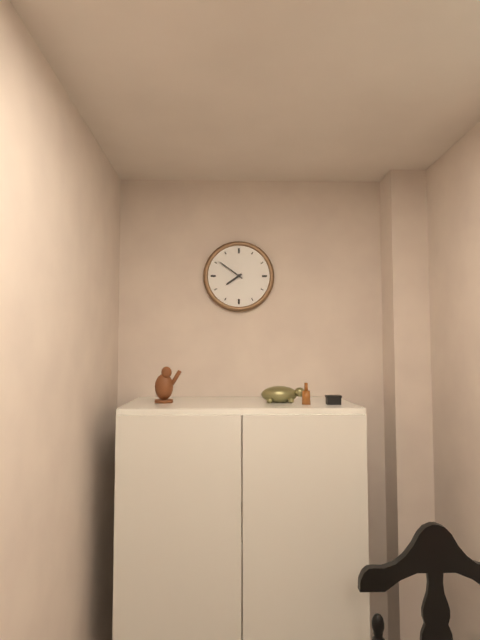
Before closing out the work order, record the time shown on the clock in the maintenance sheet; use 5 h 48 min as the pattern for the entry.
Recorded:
7 h 51 min
